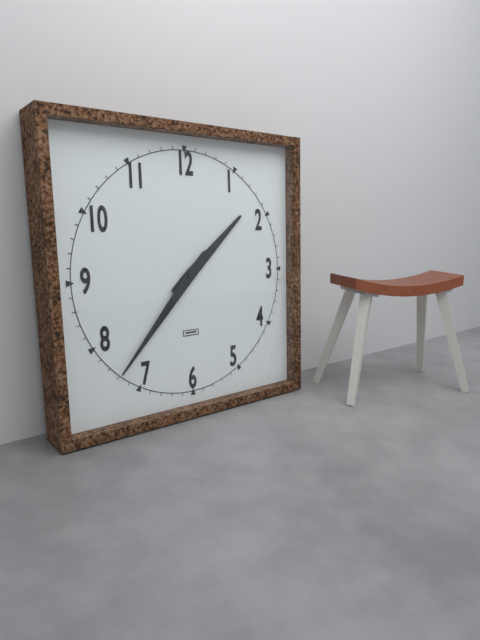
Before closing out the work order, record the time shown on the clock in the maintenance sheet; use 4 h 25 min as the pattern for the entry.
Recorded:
1 h 37 min
